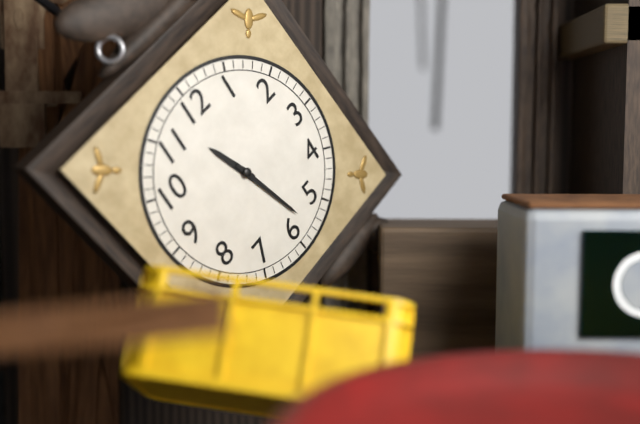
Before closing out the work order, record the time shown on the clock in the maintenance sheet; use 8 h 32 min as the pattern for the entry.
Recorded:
11 h 28 min
